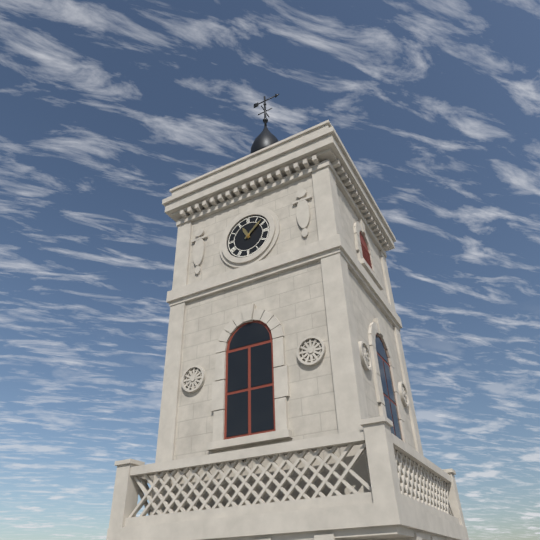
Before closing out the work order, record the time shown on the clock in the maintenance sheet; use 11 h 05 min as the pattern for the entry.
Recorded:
11 h 08 min
